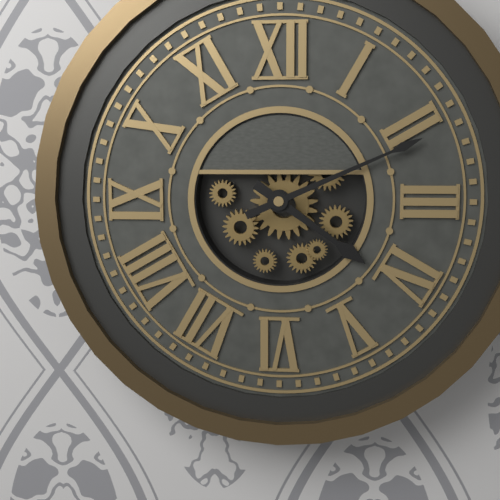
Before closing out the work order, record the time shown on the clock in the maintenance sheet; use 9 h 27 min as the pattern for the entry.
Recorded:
4 h 11 min
